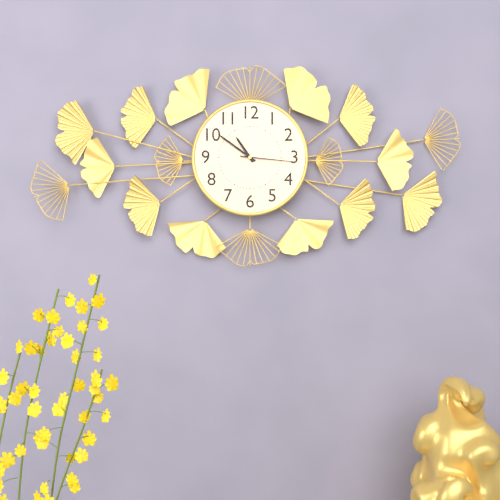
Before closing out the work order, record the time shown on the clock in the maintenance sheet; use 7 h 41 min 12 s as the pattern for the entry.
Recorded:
10 h 51 min 16 s
